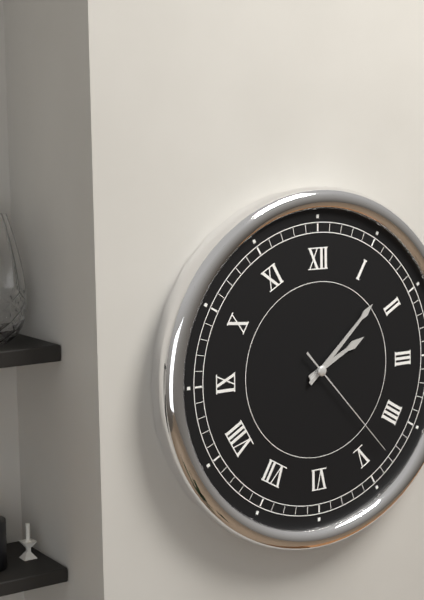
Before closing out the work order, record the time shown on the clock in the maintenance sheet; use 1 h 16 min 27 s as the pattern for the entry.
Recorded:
2 h 08 min 23 s
